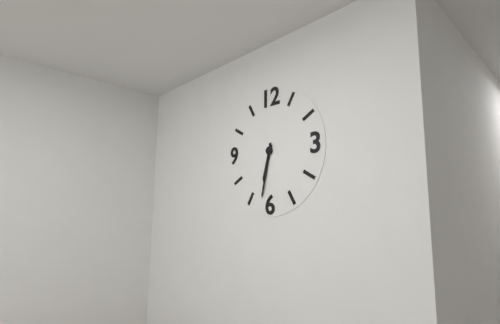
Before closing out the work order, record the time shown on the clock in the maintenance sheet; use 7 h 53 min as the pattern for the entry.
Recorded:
6 h 32 min
